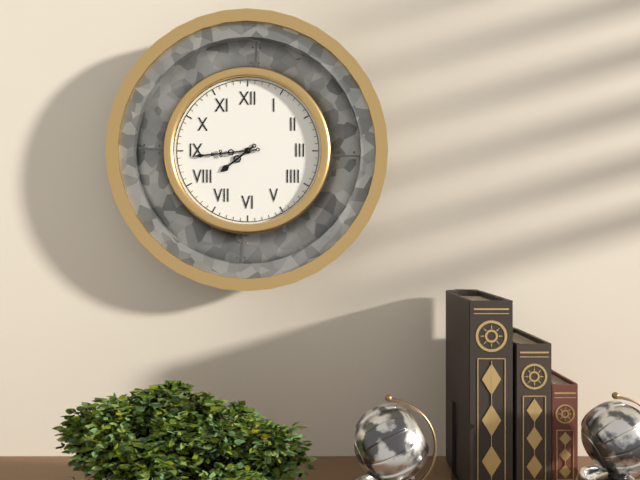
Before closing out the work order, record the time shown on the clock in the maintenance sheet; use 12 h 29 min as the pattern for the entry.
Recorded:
7 h 44 min
